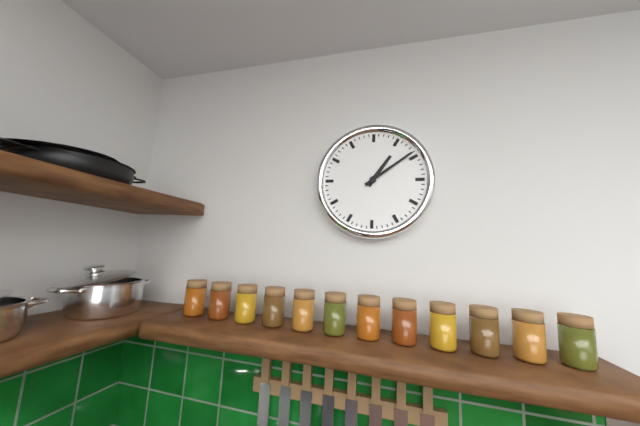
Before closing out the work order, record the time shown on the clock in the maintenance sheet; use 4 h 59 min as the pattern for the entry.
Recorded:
1 h 09 min
